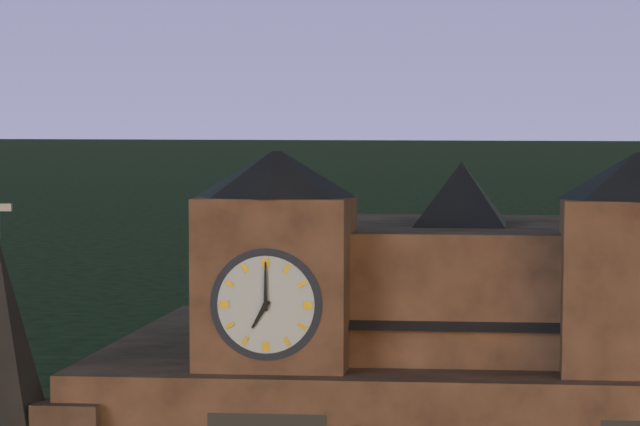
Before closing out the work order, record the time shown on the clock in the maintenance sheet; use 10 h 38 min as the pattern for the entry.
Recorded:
7 h 00 min
